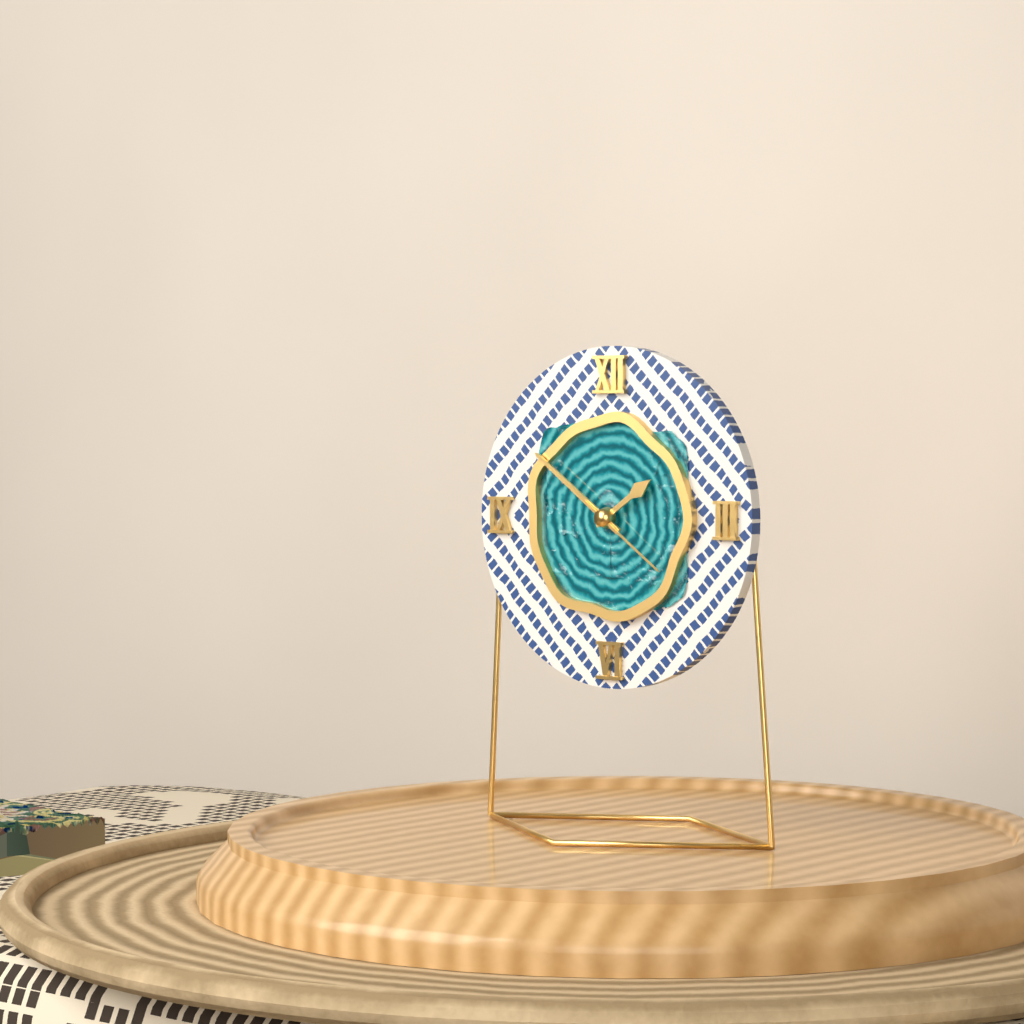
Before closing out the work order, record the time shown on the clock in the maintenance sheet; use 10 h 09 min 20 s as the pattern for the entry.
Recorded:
1 h 51 min 21 s
